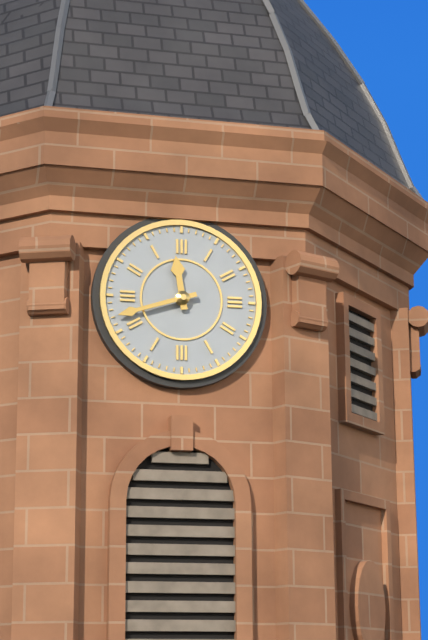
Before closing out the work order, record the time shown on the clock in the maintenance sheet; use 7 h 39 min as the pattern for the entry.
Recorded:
11 h 42 min
